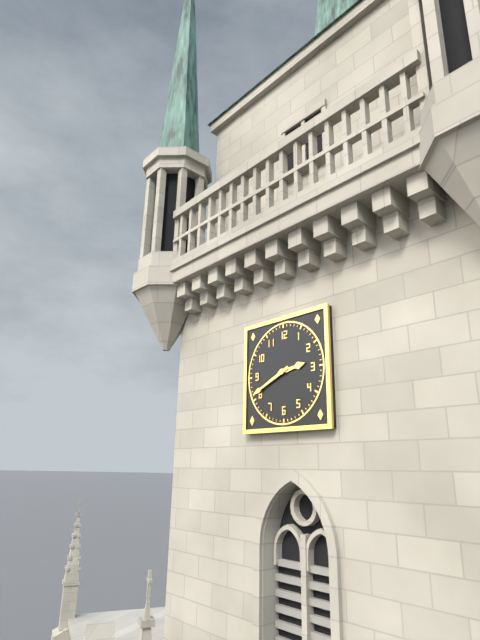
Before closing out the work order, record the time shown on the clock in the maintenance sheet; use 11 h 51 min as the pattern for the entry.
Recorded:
2 h 41 min
